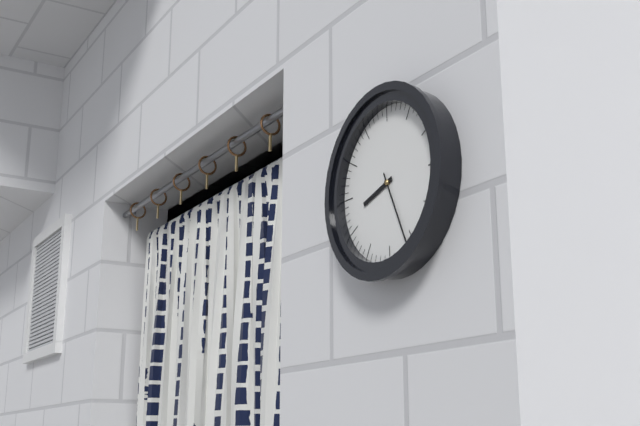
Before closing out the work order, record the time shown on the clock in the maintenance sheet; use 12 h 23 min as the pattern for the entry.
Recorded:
8 h 26 min
